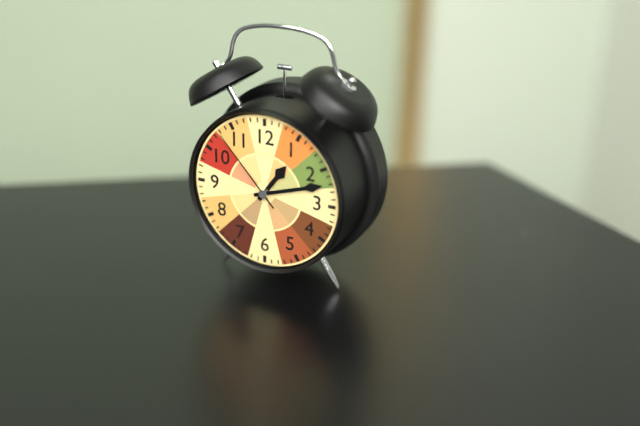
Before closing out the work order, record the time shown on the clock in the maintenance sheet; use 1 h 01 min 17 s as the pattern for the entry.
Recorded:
1 h 12 min 53 s
